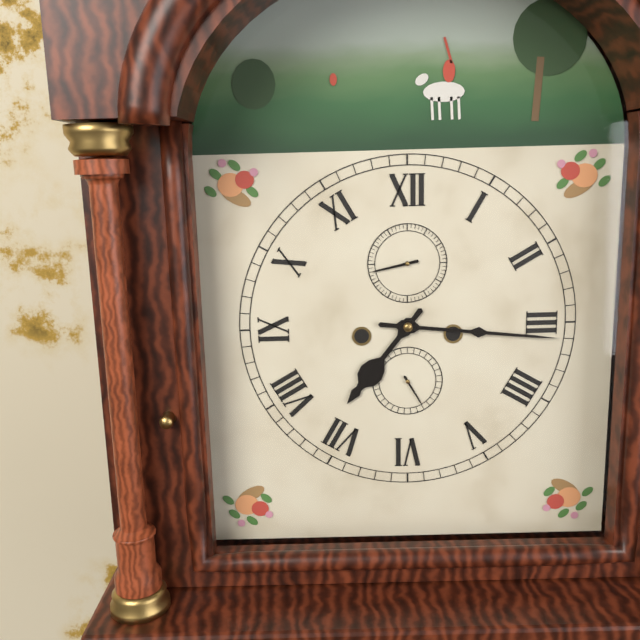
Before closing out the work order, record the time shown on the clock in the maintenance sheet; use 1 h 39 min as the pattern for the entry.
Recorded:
7 h 16 min
